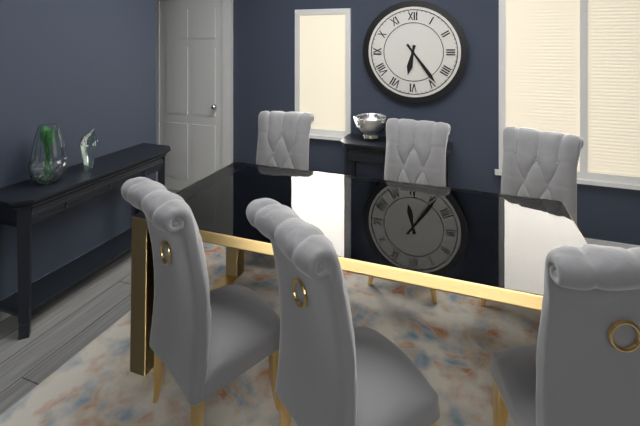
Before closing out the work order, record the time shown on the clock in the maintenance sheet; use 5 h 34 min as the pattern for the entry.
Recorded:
6 h 24 min
